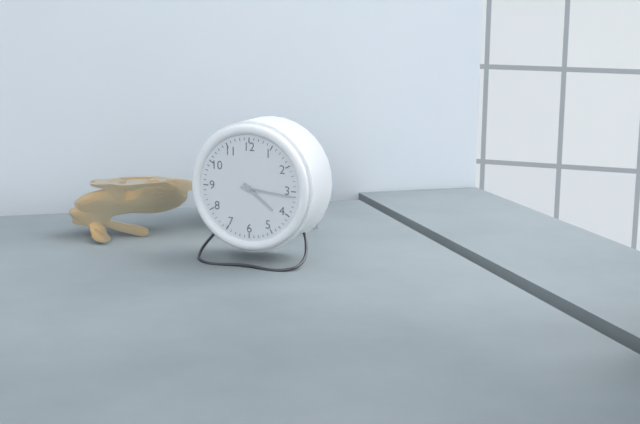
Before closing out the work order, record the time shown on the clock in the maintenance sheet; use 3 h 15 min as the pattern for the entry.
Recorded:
4 h 16 min
